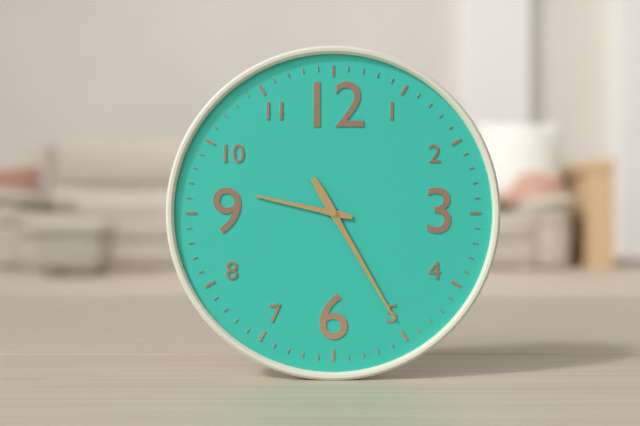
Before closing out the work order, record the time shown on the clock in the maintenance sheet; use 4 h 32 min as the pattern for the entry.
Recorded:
9 h 25 min
